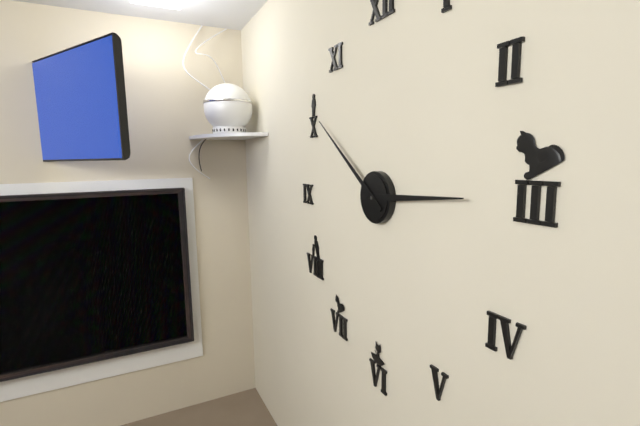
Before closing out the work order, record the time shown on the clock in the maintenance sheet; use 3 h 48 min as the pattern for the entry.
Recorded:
2 h 51 min
